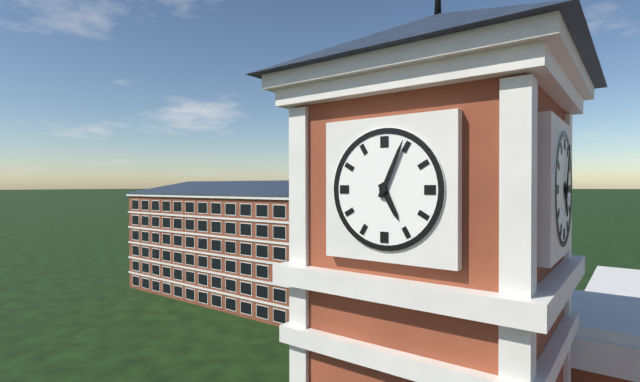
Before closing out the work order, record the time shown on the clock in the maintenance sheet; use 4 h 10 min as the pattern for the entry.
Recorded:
5 h 04 min
